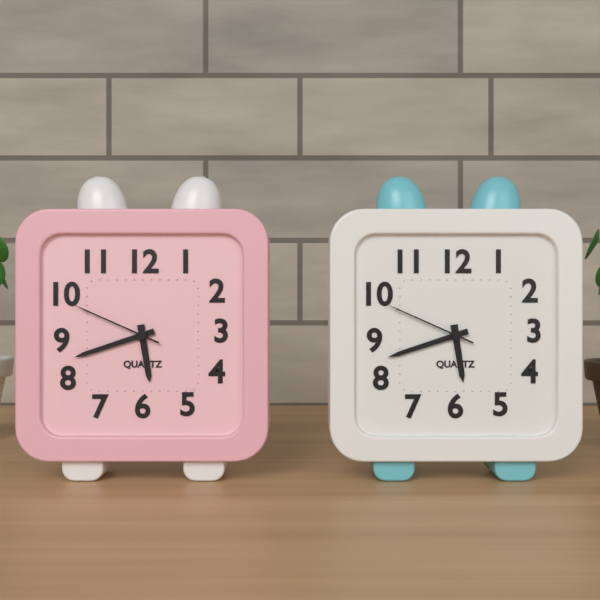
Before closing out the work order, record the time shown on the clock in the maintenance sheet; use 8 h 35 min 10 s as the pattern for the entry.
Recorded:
5 h 42 min 49 s
